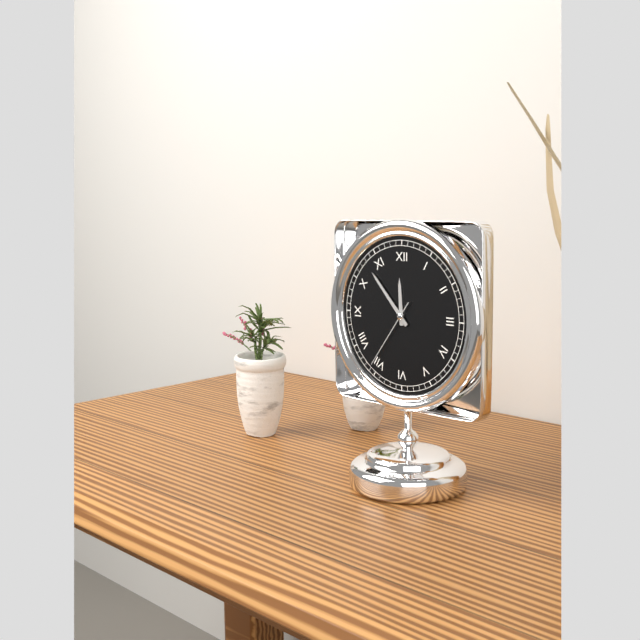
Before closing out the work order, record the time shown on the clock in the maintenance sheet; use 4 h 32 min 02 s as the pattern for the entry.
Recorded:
11 h 53 min 36 s
